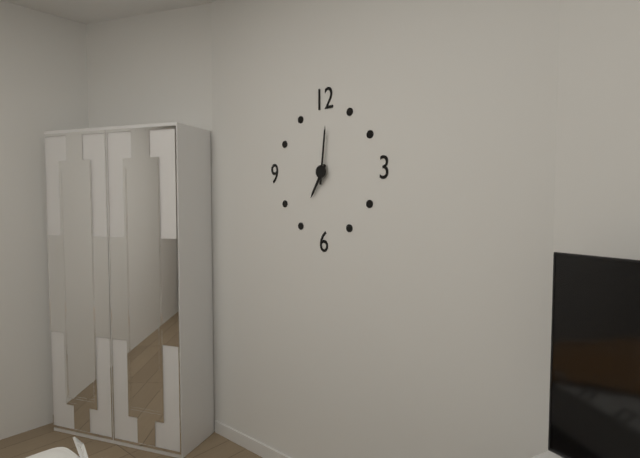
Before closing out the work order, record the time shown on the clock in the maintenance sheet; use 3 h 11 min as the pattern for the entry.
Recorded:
7 h 01 min
